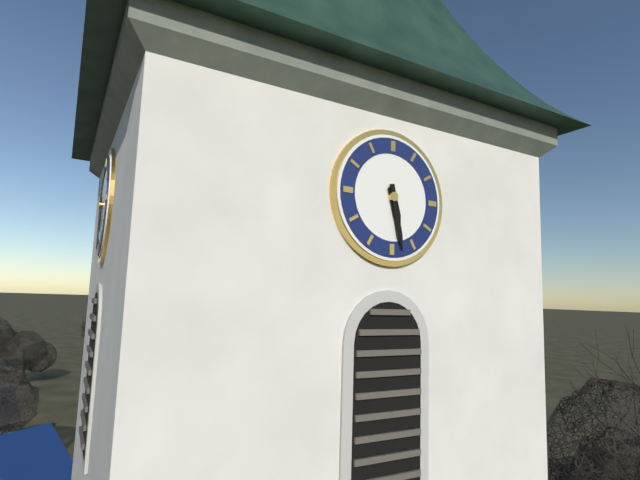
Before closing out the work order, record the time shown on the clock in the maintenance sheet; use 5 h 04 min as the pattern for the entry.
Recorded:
5 h 28 min
